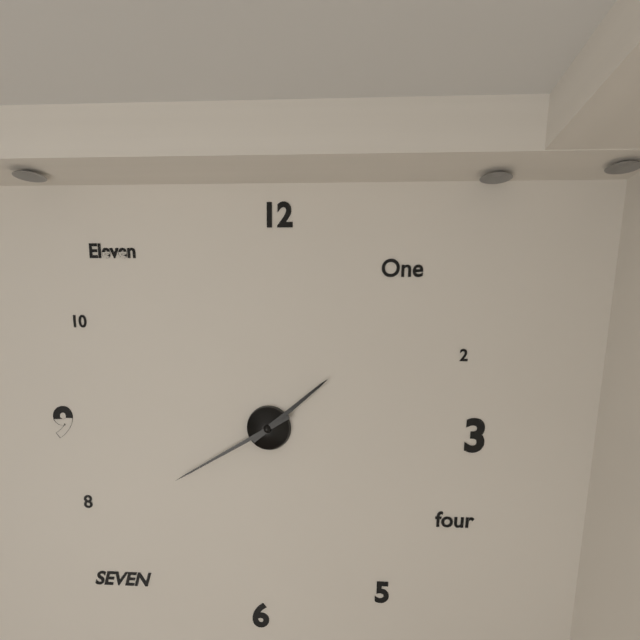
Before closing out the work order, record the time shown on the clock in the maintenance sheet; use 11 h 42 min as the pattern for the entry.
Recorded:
1 h 40 min
